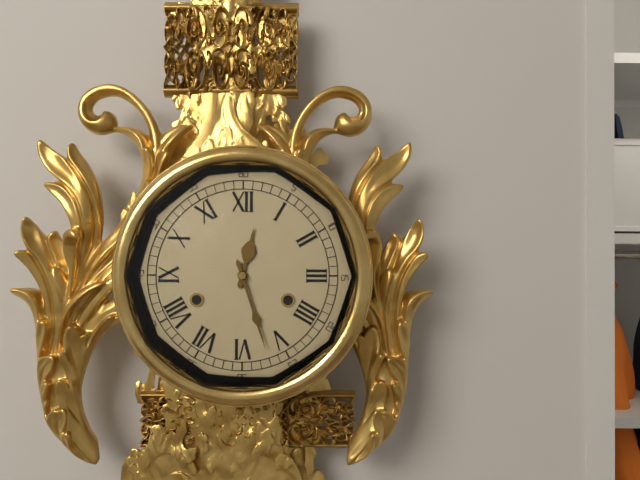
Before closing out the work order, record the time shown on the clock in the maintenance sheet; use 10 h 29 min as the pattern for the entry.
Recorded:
12 h 27 min
